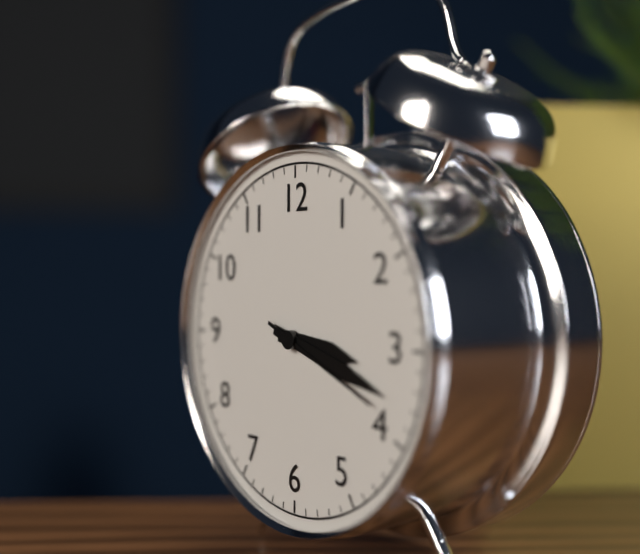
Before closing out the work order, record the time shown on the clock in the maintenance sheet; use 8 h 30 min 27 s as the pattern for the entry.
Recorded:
3 h 18 min 19 s
